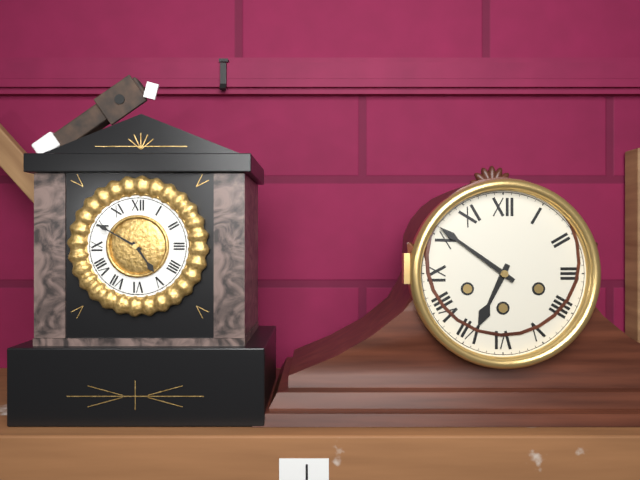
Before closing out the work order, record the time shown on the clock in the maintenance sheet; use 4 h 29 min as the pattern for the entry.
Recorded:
6 h 51 min
